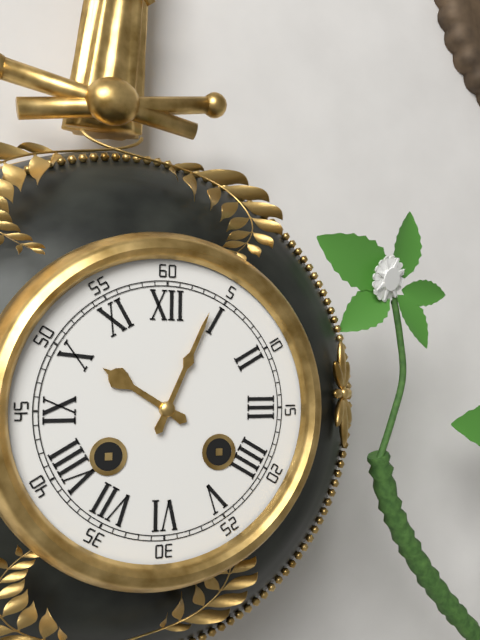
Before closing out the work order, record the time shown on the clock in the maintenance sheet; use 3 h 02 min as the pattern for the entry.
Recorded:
10 h 04 min
